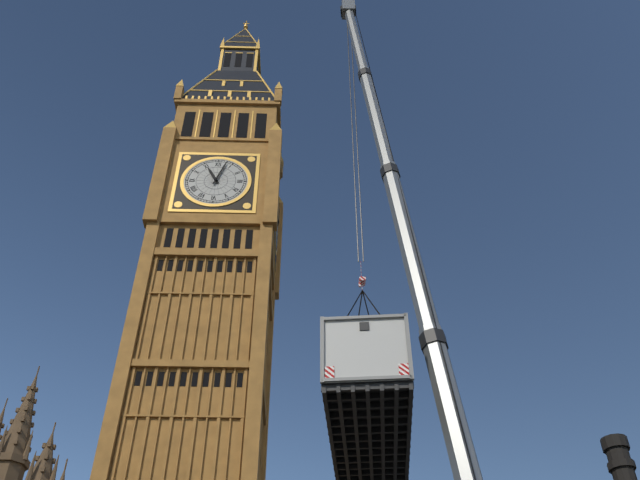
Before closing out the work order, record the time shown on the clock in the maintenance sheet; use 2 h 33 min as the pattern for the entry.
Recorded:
11 h 03 min
